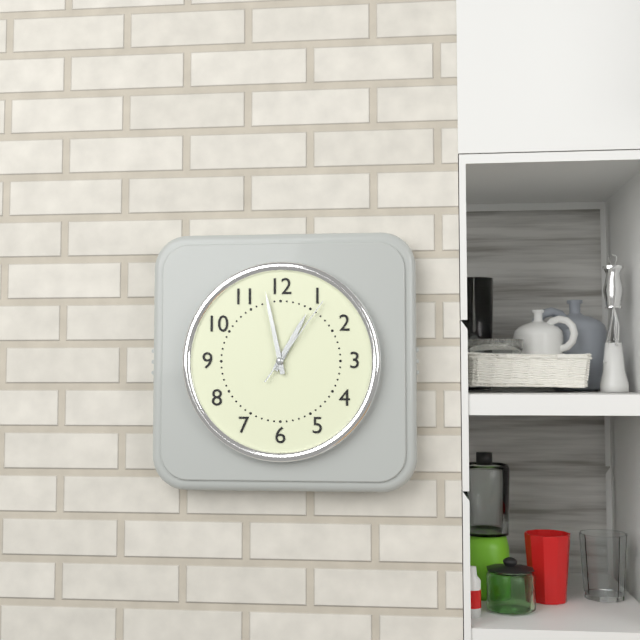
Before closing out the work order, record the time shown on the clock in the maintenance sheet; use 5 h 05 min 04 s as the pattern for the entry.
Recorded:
12 h 58 min 06 s
